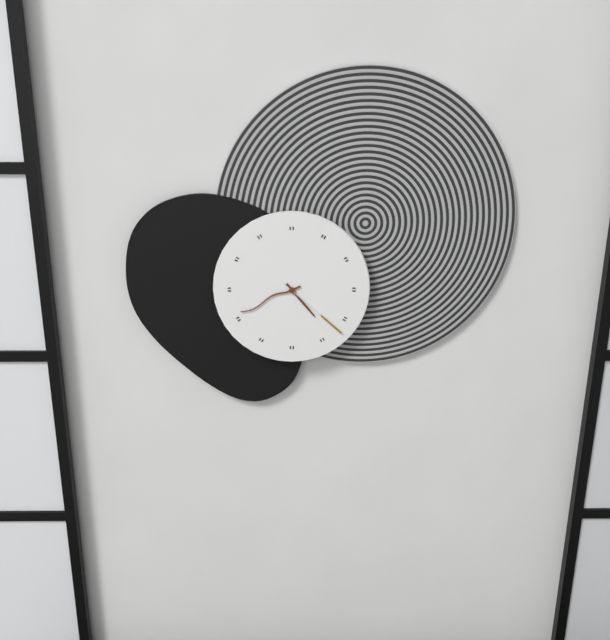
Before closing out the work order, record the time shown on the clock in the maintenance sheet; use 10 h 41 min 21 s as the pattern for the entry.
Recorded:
4 h 41 min 22 s
